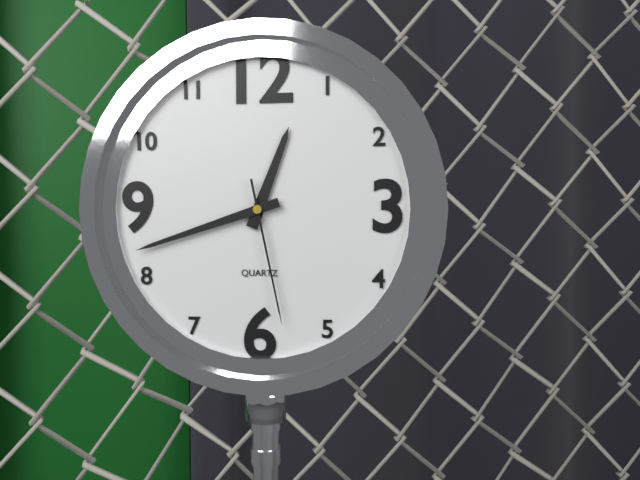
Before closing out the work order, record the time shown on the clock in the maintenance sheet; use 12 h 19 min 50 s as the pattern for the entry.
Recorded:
12 h 42 min 28 s
